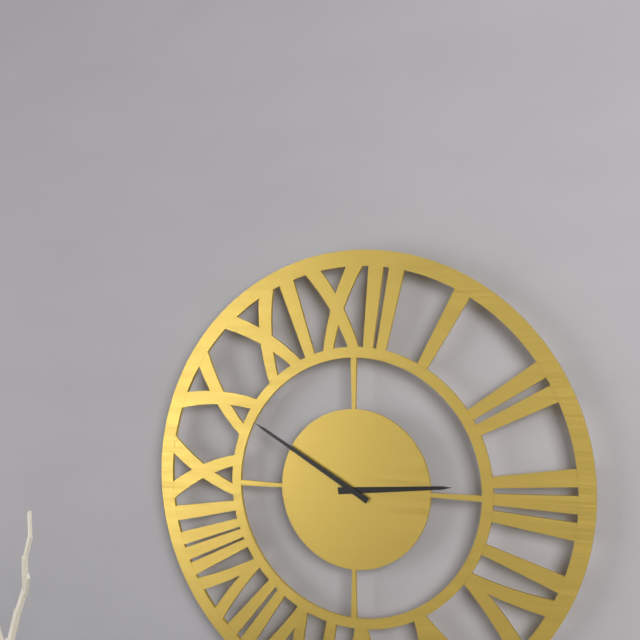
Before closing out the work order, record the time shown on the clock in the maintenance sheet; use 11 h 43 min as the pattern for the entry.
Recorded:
2 h 50 min
